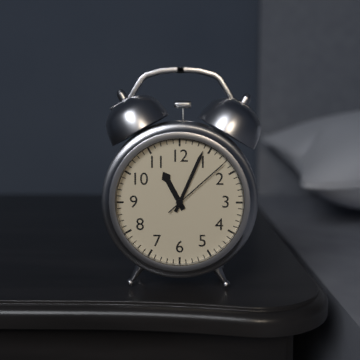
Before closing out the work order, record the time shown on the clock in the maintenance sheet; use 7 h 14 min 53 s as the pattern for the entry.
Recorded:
11 h 04 min 08 s
